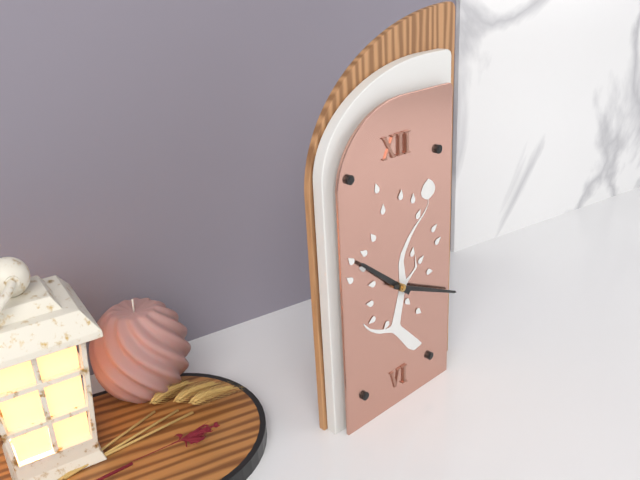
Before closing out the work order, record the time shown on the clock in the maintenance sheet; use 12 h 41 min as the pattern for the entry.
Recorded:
10 h 19 min
